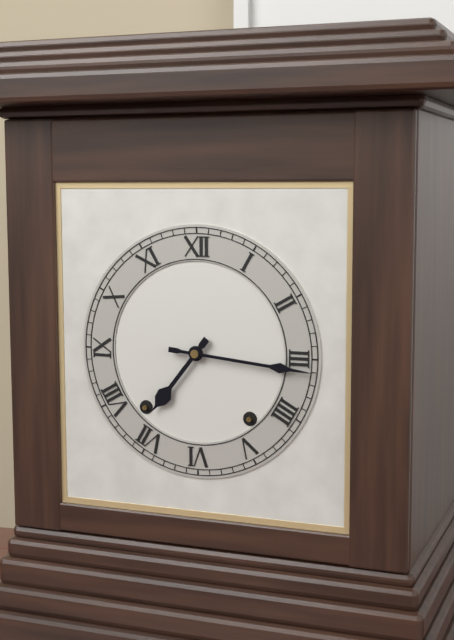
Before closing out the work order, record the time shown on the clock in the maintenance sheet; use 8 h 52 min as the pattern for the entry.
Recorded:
7 h 16 min
